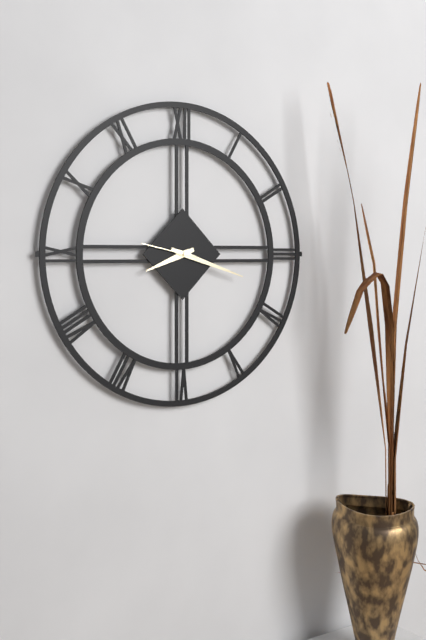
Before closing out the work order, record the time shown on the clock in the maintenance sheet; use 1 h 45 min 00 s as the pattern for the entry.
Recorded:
8 h 18 min 47 s
